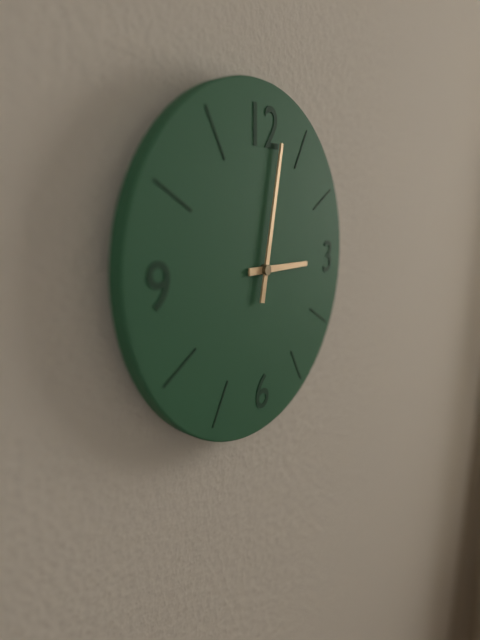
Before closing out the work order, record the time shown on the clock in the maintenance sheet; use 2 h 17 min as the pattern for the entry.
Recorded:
3 h 02 min
